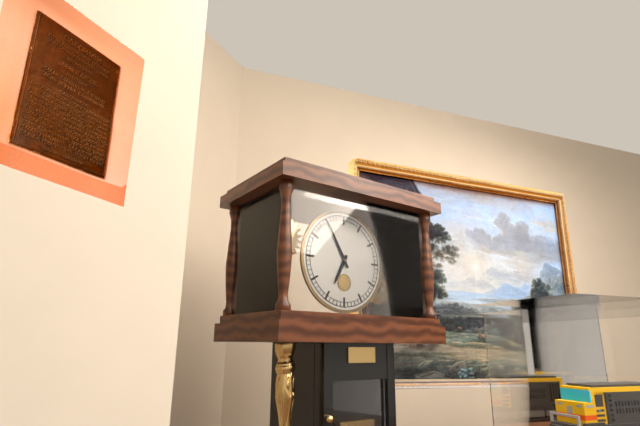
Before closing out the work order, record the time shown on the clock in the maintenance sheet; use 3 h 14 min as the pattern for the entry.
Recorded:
6 h 55 min
